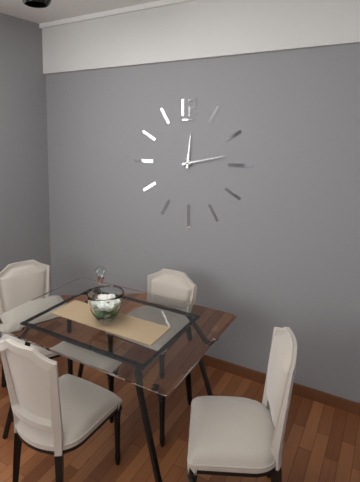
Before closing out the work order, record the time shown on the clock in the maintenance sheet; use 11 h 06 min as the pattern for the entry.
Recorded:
12 h 13 min
